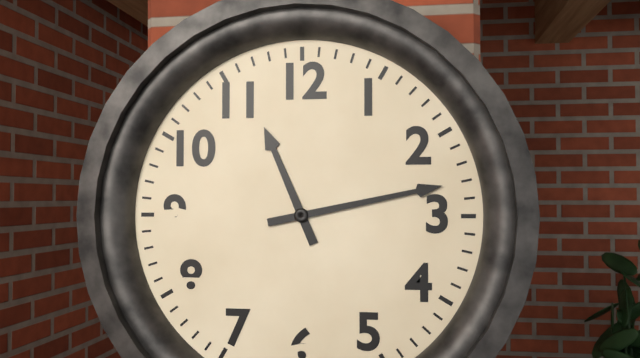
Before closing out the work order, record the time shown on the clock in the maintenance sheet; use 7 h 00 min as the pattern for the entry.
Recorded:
11 h 13 min
